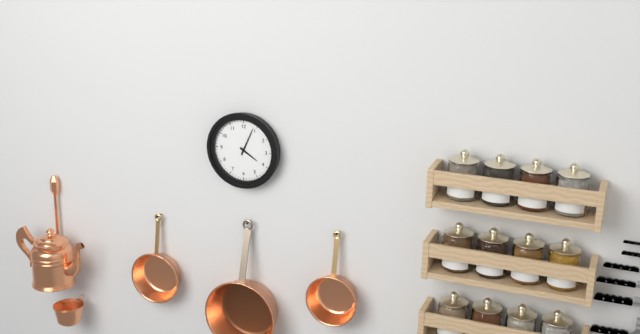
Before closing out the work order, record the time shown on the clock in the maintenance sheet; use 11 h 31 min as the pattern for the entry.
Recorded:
4 h 04 min
